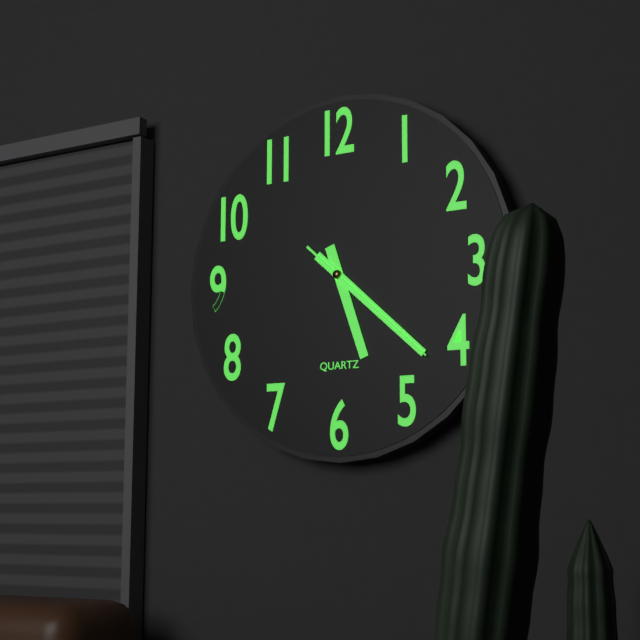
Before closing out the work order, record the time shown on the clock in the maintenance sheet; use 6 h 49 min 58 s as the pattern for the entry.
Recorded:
5 h 22 min 22 s
